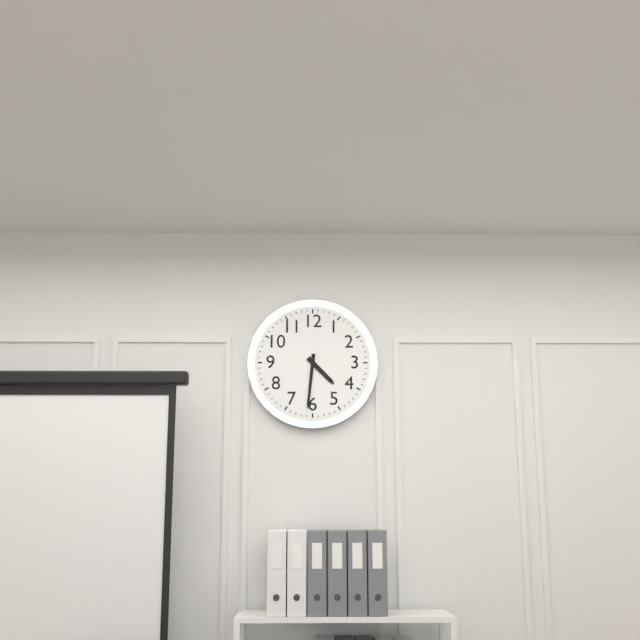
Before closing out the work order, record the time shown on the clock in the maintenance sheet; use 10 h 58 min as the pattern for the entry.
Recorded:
4 h 31 min
